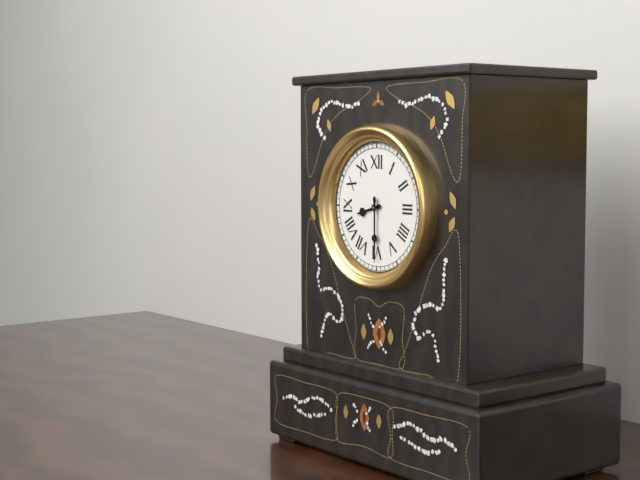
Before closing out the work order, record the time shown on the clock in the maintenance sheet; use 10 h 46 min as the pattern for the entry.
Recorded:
8 h 30 min
